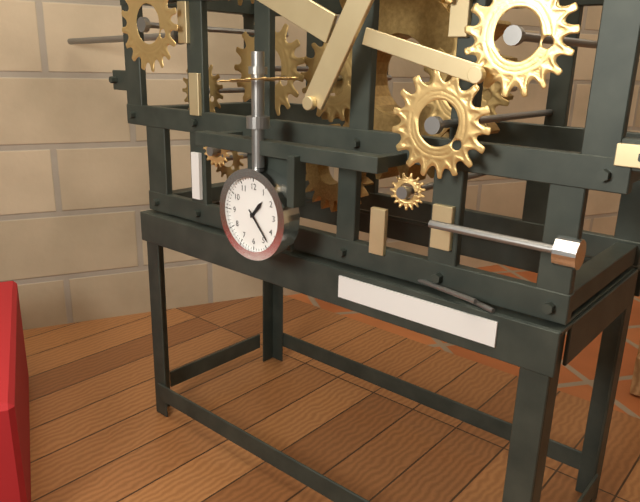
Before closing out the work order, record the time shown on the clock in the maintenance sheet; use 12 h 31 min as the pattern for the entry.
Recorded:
1 h 23 min
